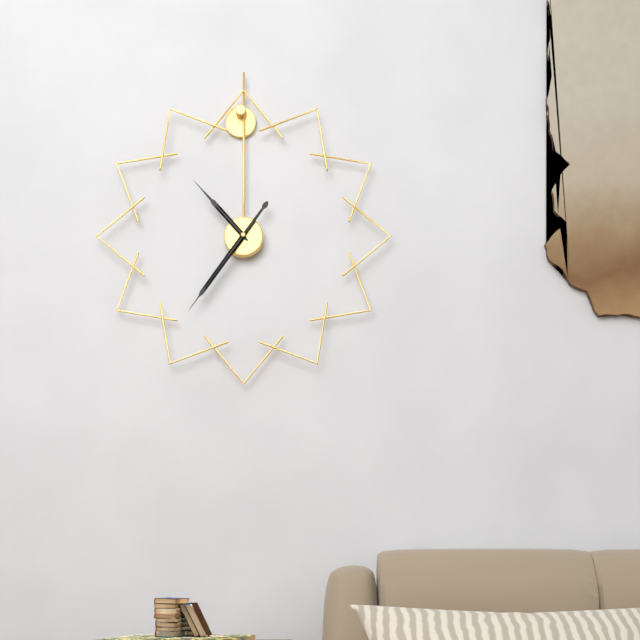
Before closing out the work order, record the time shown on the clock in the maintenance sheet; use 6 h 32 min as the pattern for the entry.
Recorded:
10 h 36 min
